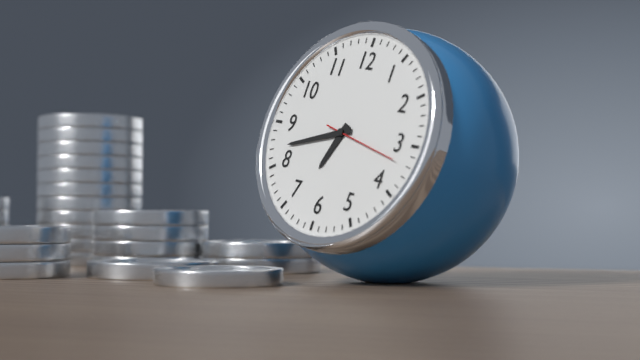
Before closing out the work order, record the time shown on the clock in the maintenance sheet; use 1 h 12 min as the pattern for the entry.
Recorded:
6 h 42 min
